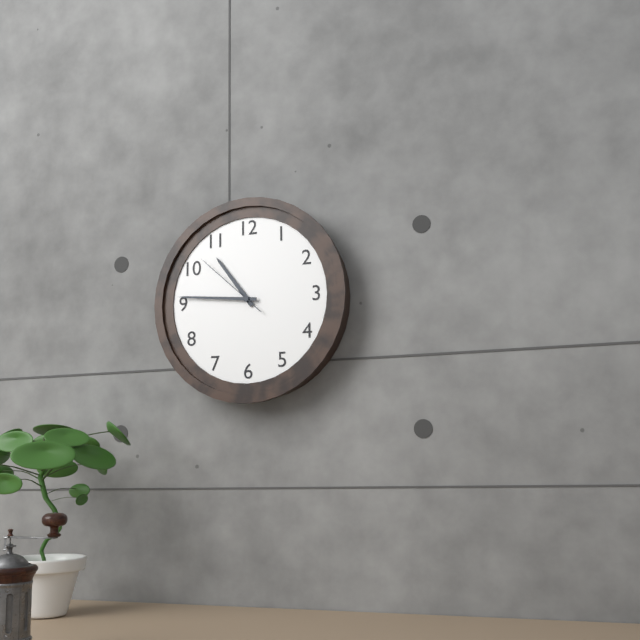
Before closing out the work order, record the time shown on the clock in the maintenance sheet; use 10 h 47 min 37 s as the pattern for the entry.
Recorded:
10 h 46 min 52 s
